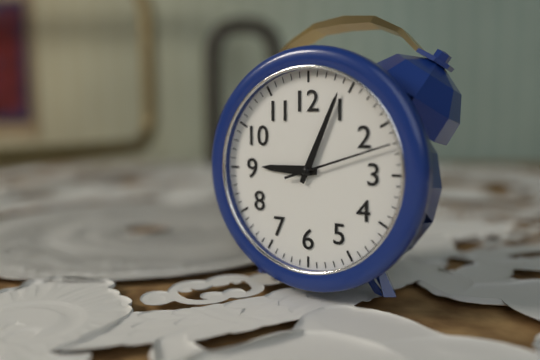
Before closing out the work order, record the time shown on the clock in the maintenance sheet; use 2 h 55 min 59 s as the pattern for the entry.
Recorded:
9 h 04 min 12 s
